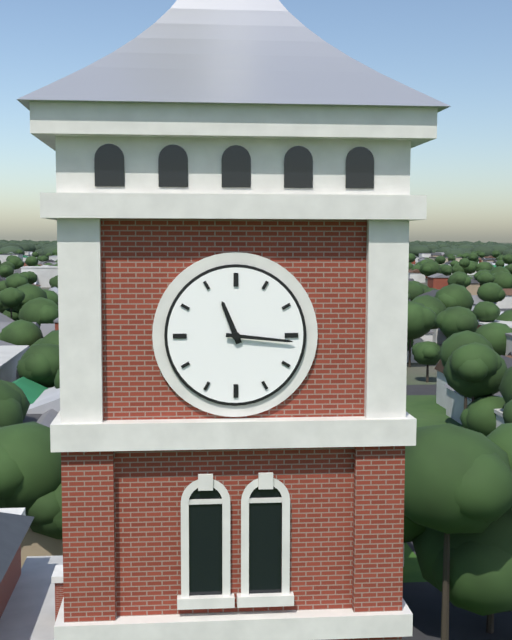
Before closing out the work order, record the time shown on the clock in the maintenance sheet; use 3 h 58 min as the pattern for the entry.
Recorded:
11 h 16 min
